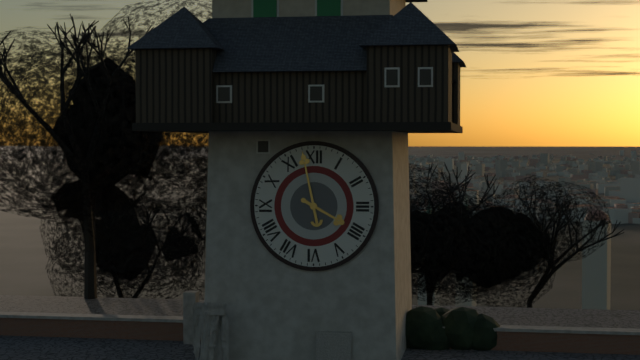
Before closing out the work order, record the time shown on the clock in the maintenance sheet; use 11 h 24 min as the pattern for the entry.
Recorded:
3 h 58 min
